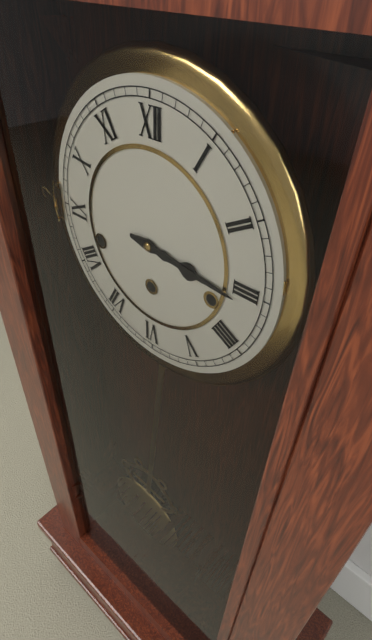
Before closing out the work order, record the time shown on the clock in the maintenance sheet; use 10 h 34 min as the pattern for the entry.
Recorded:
3 h 16 min
